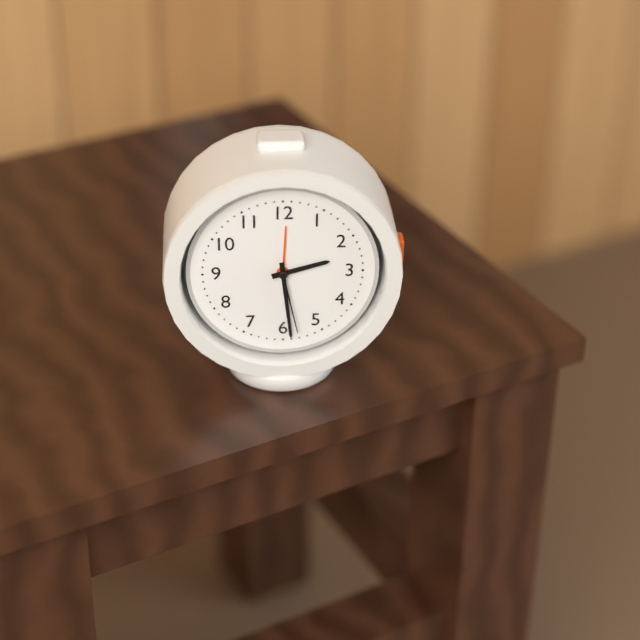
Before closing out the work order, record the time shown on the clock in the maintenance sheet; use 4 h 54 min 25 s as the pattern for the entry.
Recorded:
2 h 29 min 28 s
